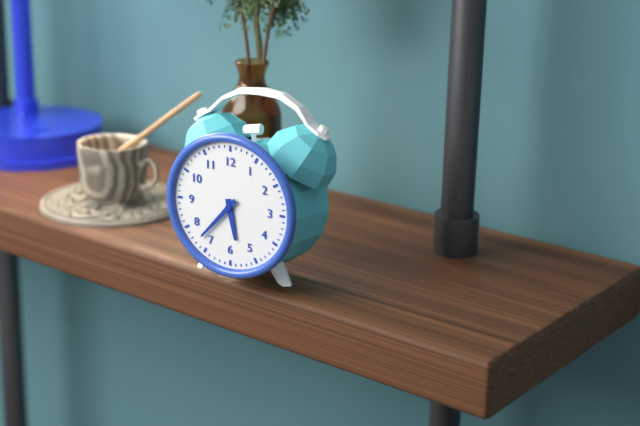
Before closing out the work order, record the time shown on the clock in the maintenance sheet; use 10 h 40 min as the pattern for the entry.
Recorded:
5 h 37 min
